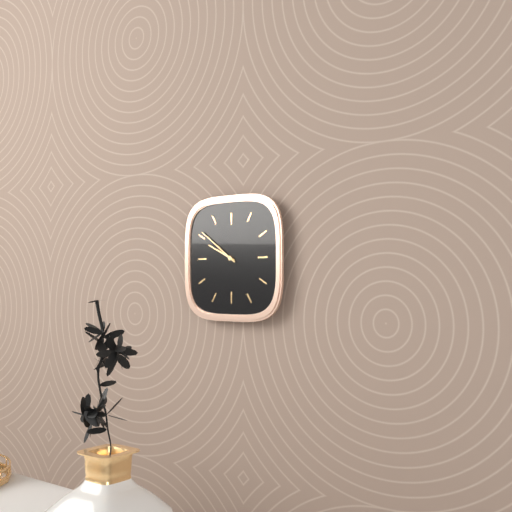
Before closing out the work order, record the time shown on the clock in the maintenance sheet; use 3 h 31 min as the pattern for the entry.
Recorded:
9 h 51 min
